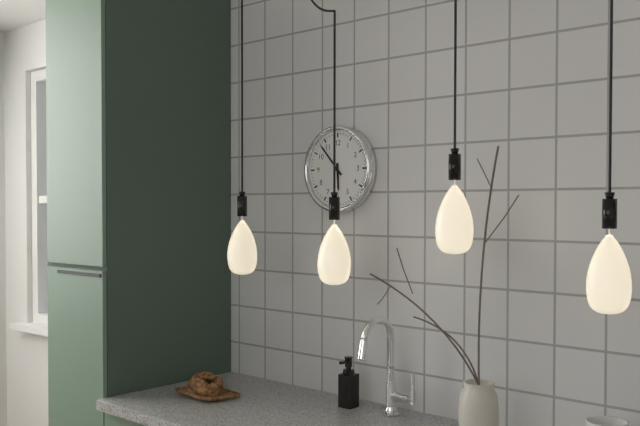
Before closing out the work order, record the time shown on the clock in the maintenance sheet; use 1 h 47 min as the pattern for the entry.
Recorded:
5 h 53 min
